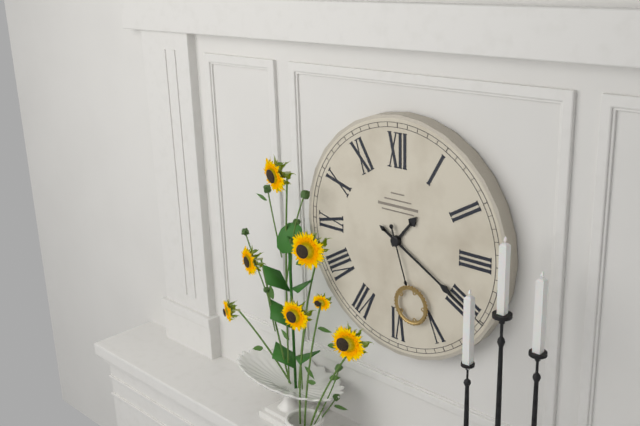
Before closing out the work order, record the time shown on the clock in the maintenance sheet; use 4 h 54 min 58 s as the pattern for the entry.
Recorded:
1 h 20 min 27 s
